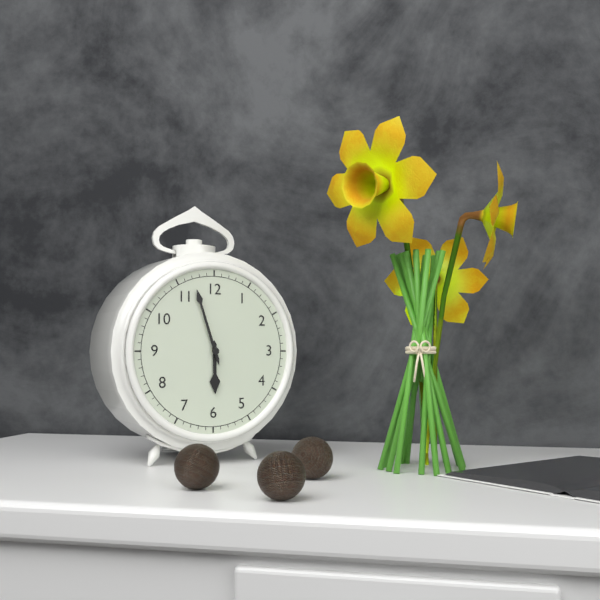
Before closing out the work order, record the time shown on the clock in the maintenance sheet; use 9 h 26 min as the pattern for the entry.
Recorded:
5 h 57 min
